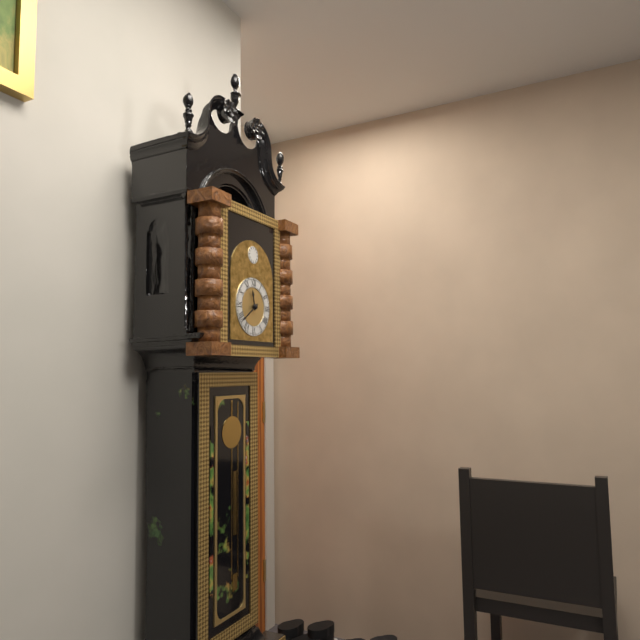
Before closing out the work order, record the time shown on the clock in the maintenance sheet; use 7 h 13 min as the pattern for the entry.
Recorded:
11 h 39 min
